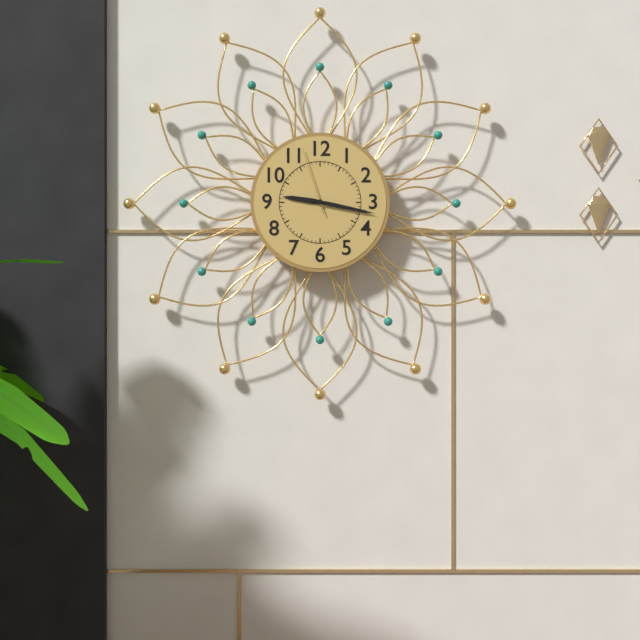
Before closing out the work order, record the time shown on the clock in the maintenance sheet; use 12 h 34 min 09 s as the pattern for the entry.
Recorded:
9 h 17 min 57 s
